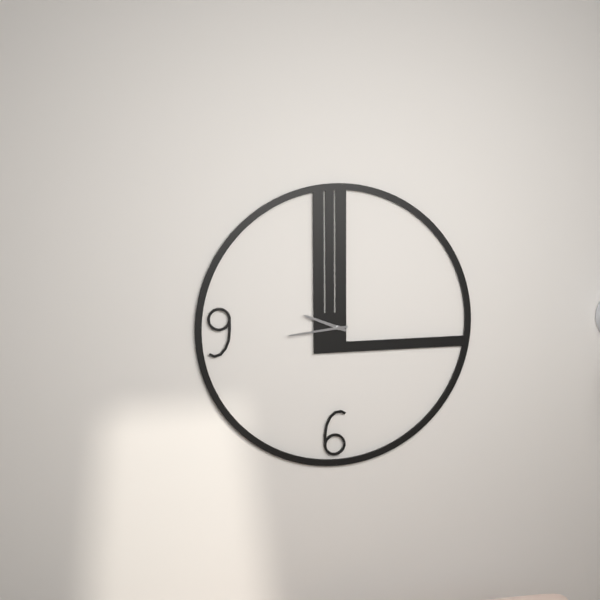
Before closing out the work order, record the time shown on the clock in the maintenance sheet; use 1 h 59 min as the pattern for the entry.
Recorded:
9 h 44 min
